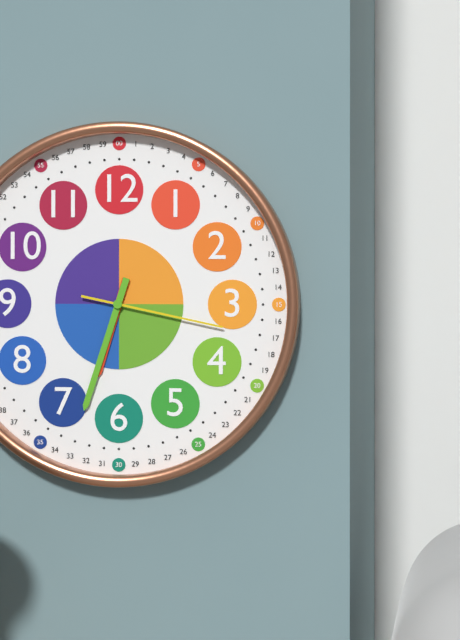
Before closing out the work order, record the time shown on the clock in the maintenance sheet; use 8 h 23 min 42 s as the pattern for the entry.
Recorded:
6 h 33 min 17 s
